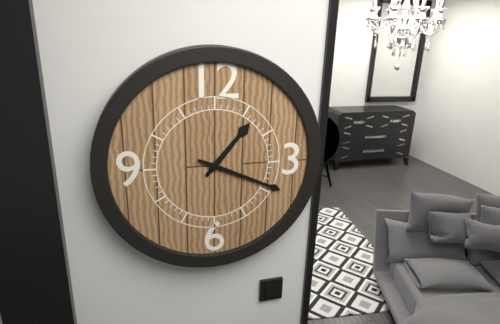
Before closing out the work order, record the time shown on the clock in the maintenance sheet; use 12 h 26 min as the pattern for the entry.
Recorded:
1 h 19 min
